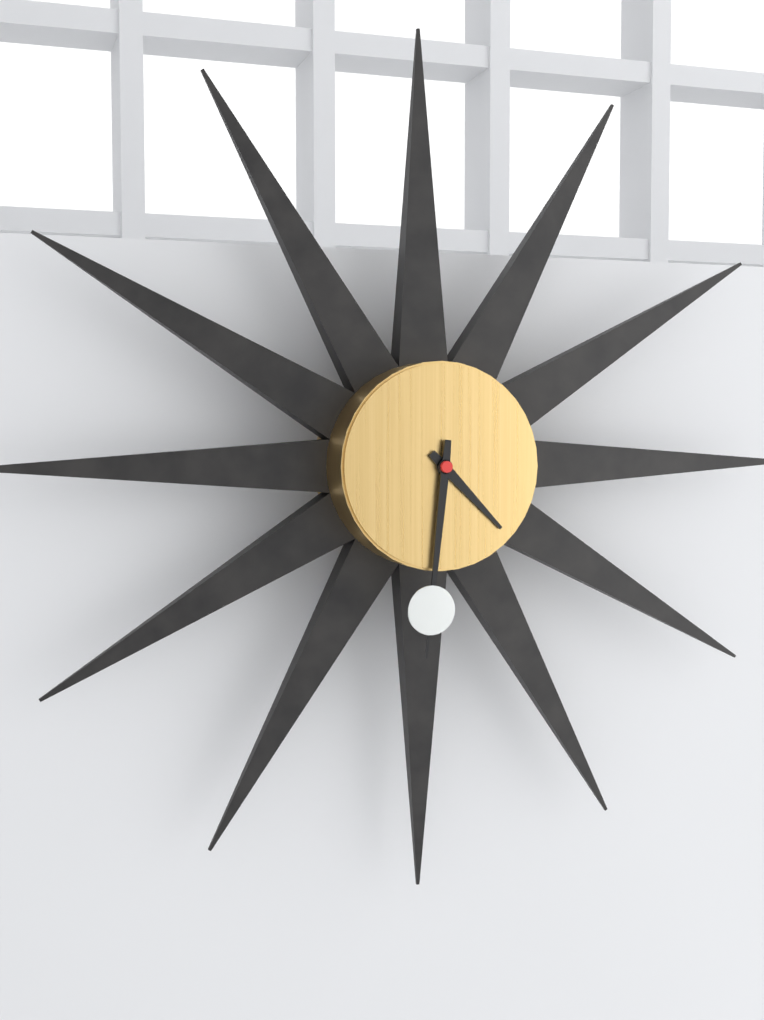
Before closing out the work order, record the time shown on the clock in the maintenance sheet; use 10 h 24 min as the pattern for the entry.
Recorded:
4 h 31 min
